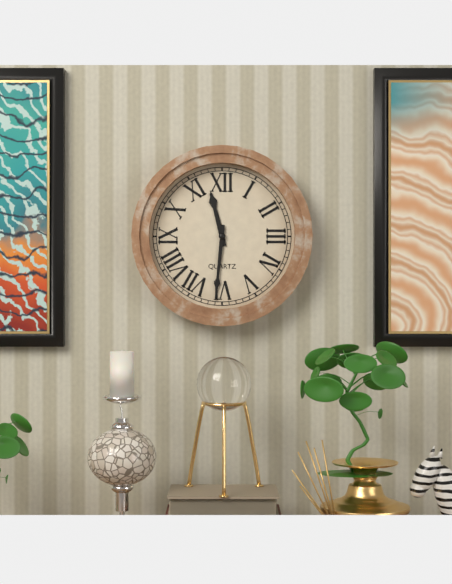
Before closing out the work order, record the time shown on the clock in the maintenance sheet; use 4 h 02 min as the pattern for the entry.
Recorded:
11 h 31 min
